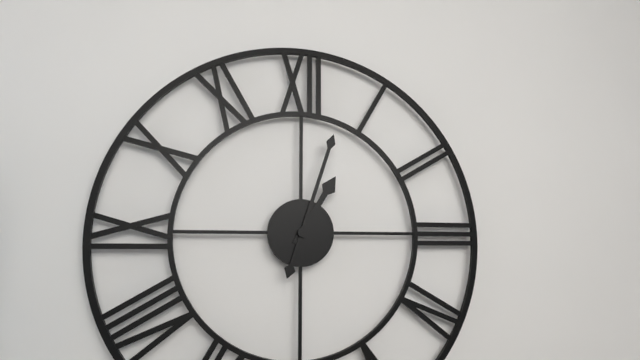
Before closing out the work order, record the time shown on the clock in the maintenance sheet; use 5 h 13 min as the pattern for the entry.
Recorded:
1 h 03 min
